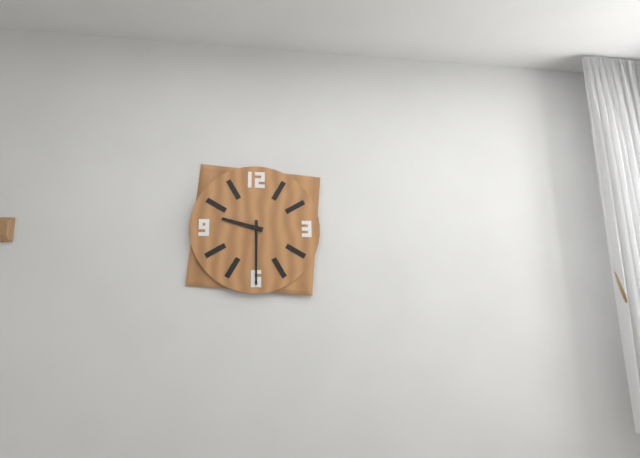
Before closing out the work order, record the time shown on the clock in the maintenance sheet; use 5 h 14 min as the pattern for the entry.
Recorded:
9 h 30 min
